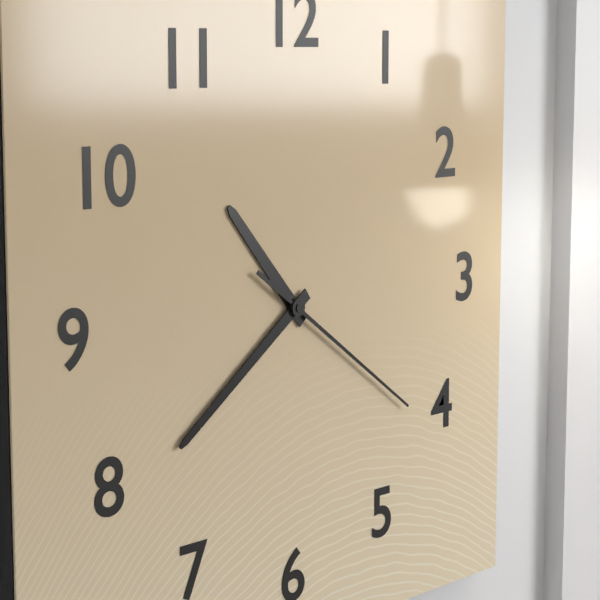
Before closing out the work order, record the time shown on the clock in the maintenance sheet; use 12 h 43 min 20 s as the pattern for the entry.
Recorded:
10 h 39 min 21 s
